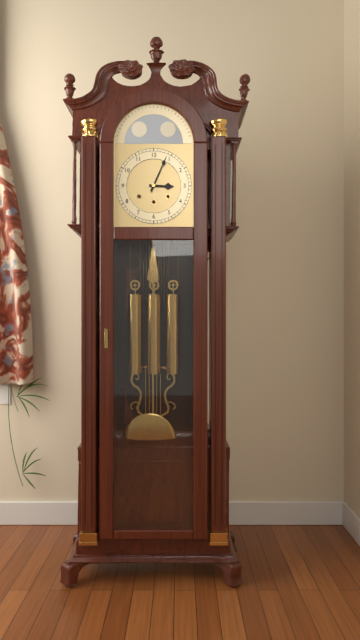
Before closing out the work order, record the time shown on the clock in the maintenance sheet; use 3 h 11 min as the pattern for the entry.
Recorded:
3 h 04 min
